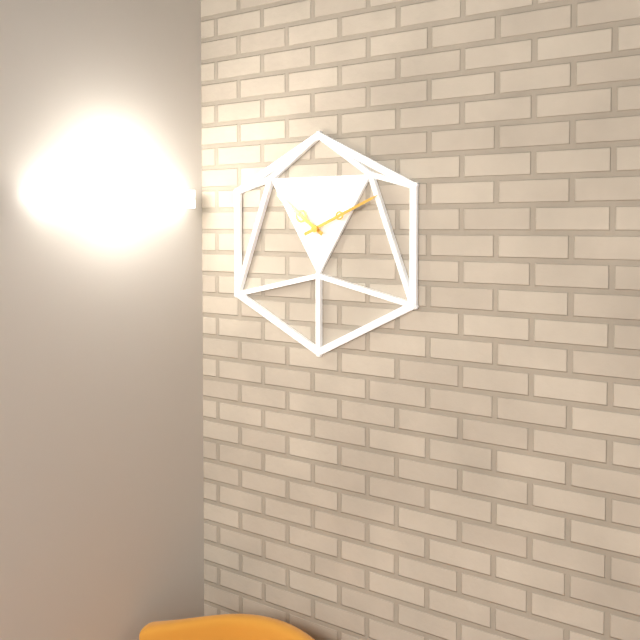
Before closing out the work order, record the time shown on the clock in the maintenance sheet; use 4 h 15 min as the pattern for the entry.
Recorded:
10 h 11 min
